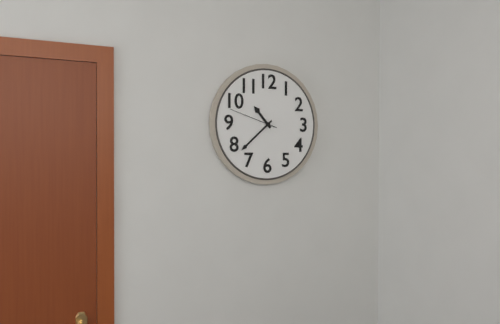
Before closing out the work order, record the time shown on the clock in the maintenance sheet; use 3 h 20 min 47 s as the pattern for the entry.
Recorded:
10 h 38 min 48 s
